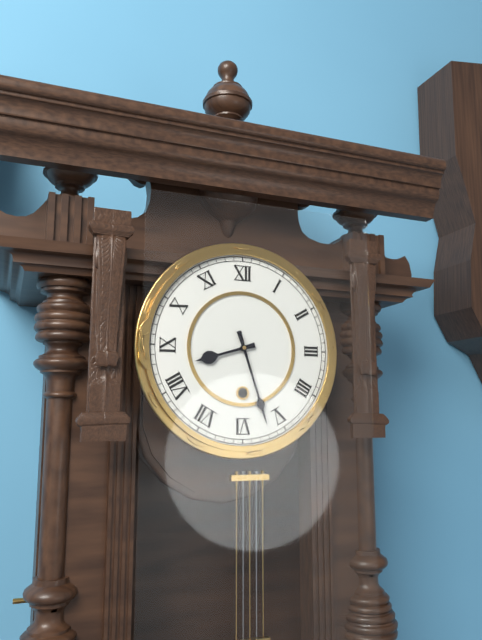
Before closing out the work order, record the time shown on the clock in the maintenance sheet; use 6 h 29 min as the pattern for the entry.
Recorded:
8 h 27 min
